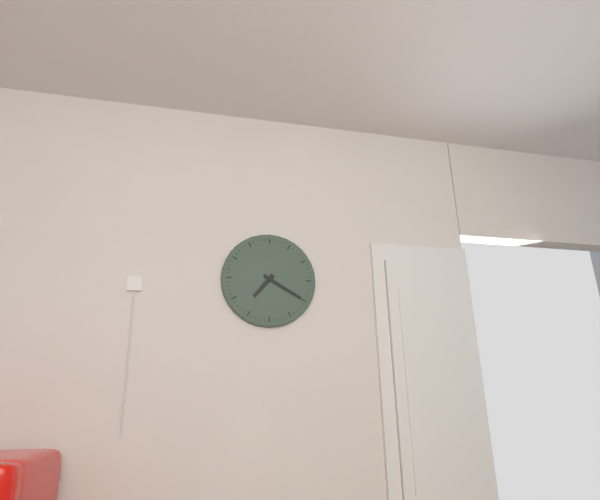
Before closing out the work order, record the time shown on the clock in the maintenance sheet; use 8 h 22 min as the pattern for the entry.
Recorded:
7 h 20 min
